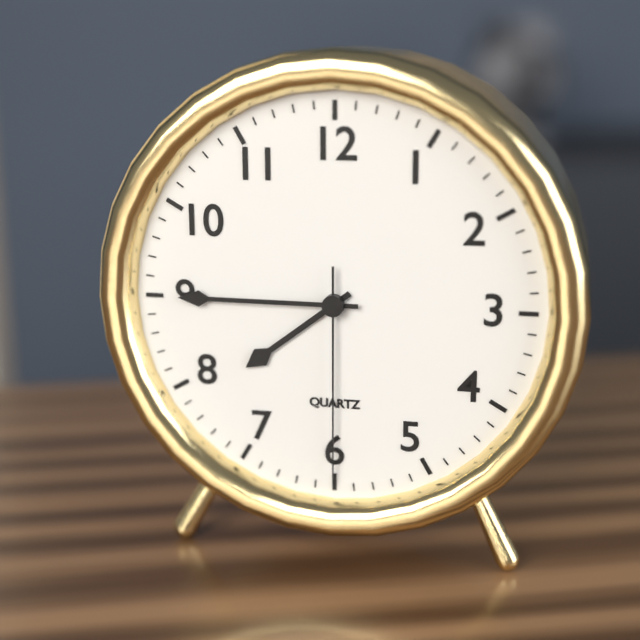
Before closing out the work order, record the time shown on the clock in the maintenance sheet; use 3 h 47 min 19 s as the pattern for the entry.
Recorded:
7 h 45 min 30 s
